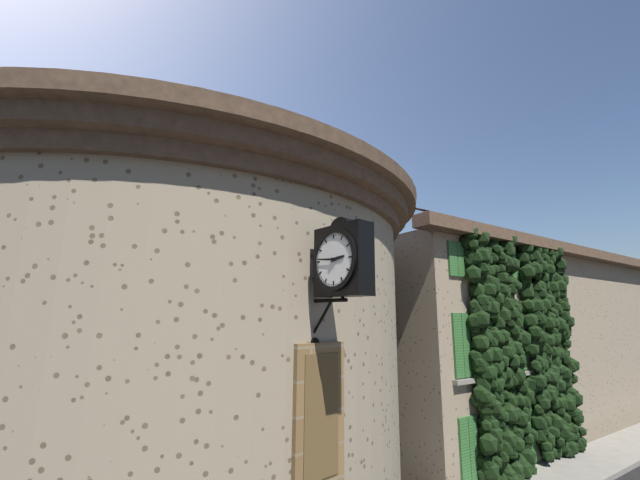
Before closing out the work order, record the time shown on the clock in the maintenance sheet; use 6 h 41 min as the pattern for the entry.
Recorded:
2 h 46 min
